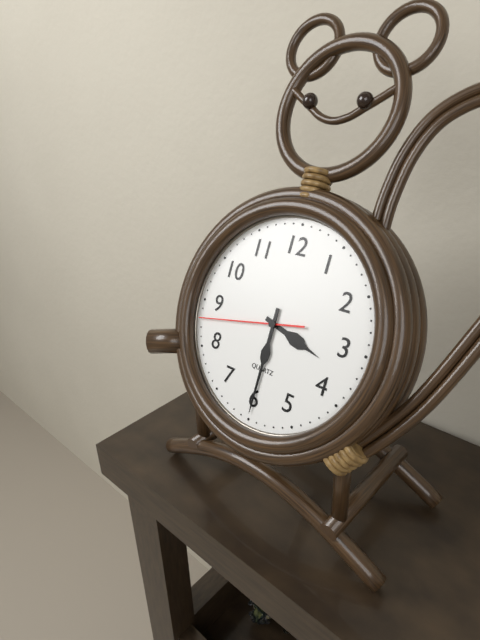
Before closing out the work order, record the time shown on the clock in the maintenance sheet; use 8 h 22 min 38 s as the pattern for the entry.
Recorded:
3 h 30 min 43 s
